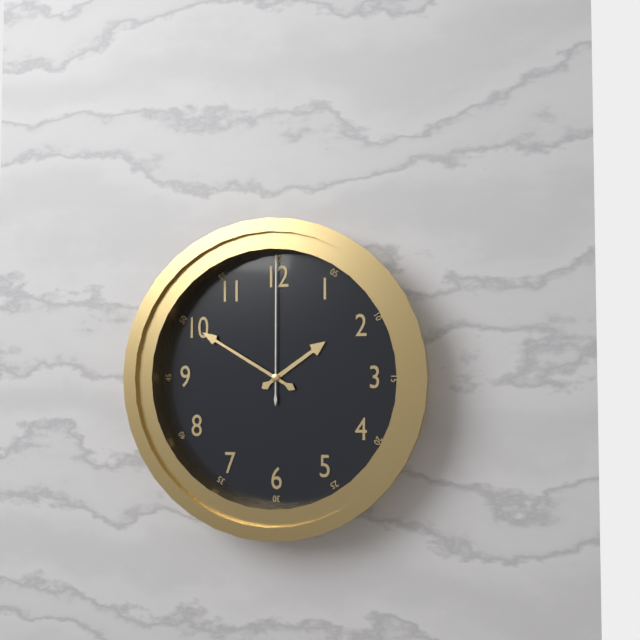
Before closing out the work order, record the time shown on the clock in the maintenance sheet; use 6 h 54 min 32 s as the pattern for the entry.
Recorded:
1 h 50 min 00 s
